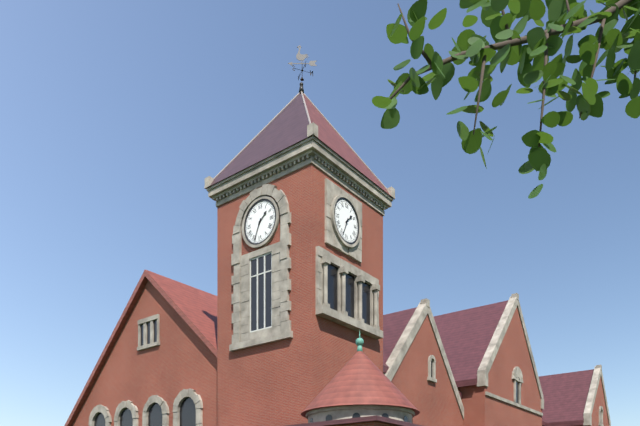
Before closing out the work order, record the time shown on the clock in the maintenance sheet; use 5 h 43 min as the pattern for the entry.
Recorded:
1 h 34 min
